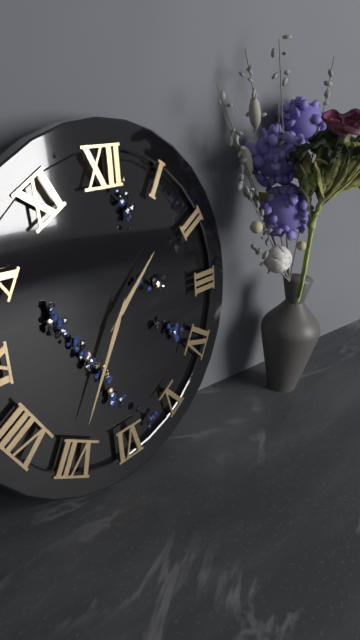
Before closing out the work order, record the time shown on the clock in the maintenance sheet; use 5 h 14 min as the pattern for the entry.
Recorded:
1 h 35 min
